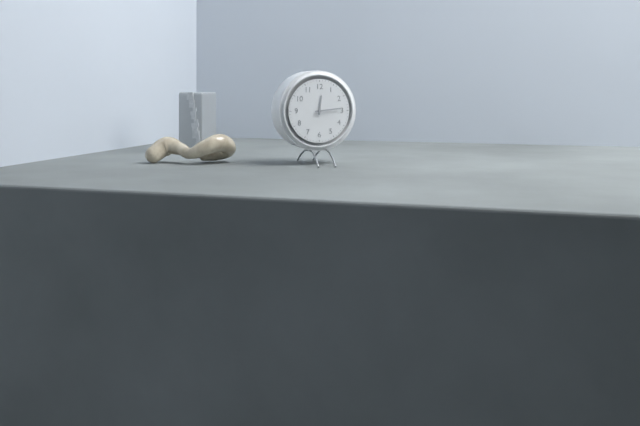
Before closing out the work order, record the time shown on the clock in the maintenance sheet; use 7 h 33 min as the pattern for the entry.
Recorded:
12 h 14 min
